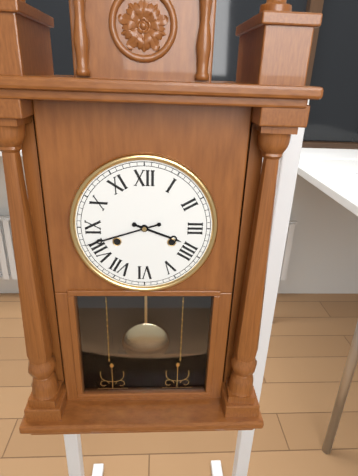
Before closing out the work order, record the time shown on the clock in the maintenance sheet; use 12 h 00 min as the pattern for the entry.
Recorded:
3 h 42 min
